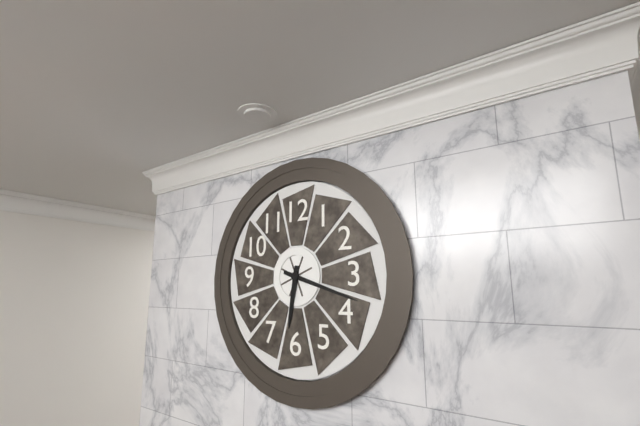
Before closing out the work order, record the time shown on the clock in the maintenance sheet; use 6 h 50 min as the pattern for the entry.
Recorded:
6 h 18 min
